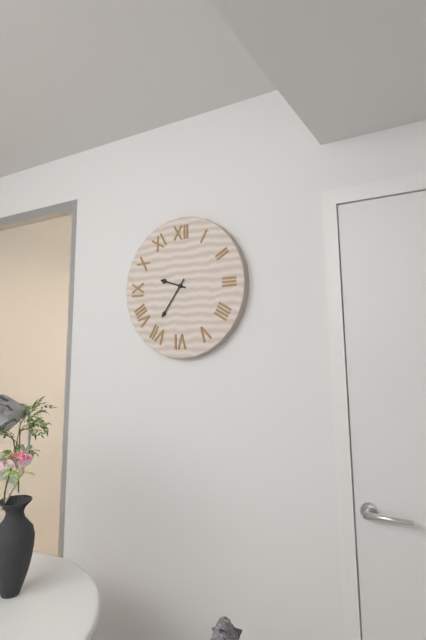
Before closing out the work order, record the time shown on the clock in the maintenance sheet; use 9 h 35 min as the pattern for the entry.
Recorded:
9 h 36 min
